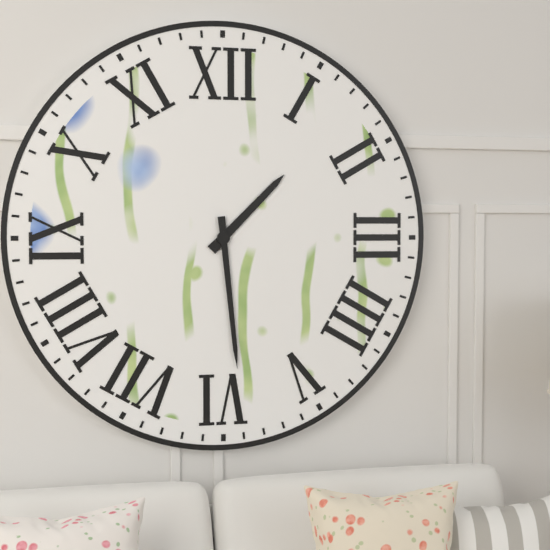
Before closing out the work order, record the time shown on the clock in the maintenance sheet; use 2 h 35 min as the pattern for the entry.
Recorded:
1 h 29 min
